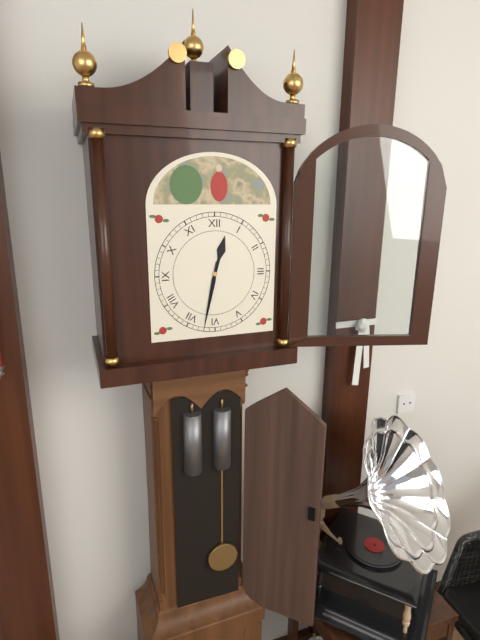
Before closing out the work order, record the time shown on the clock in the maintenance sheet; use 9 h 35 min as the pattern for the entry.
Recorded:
12 h 32 min
